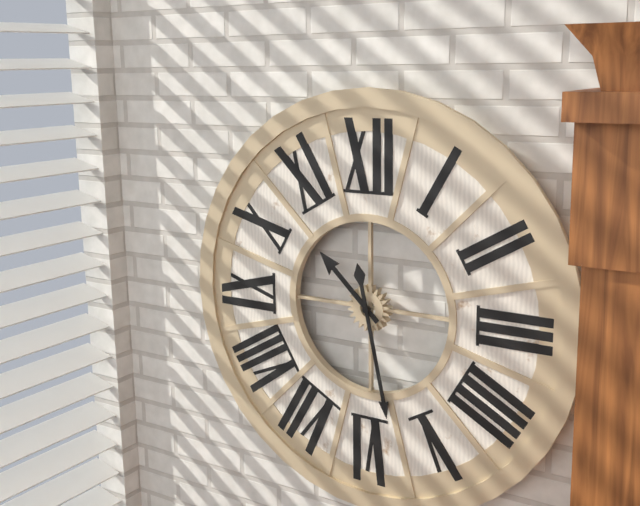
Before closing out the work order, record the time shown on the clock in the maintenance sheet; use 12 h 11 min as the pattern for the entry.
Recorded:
10 h 28 min
